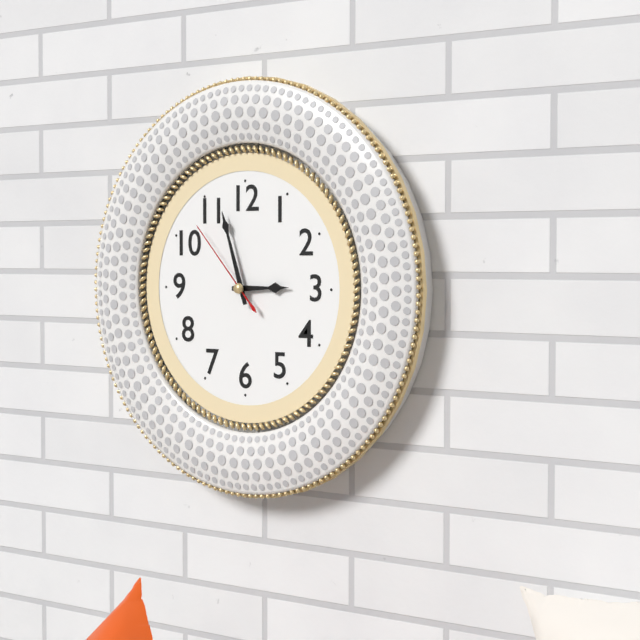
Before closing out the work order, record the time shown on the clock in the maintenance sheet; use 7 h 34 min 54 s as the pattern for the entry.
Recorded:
2 h 57 min 53 s
